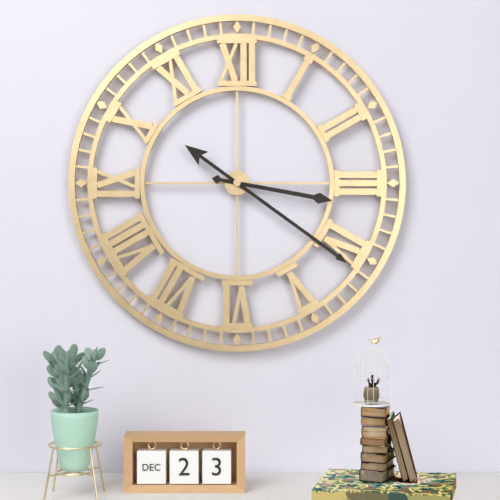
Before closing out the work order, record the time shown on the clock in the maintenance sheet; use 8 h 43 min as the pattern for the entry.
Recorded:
3 h 21 min
